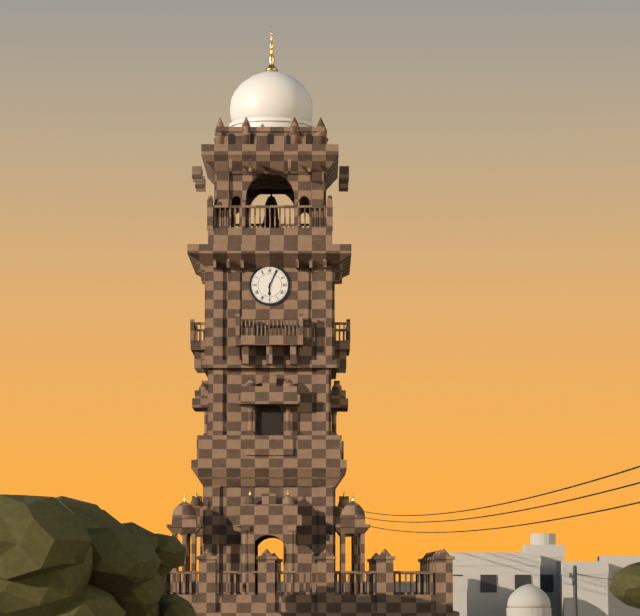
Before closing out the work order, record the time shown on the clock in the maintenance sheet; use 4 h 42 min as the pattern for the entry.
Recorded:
6 h 04 min
